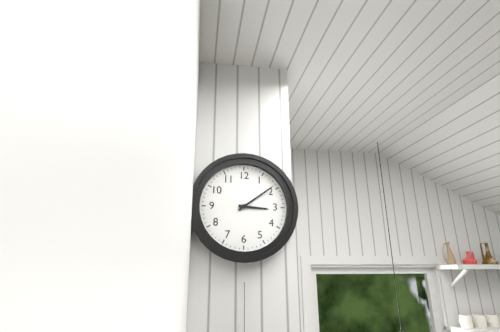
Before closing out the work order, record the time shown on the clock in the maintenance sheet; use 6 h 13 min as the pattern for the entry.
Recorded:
3 h 09 min
